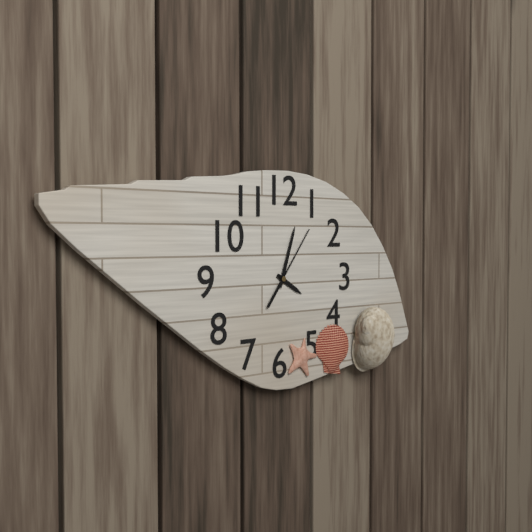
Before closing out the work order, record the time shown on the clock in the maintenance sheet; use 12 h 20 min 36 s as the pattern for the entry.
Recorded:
4 h 03 min 06 s
